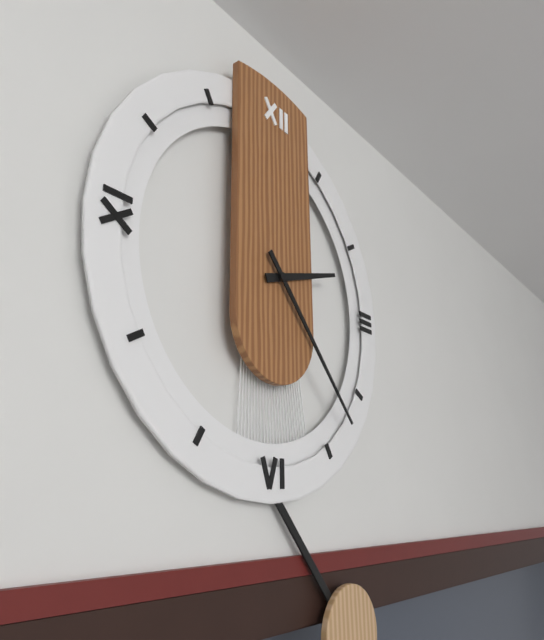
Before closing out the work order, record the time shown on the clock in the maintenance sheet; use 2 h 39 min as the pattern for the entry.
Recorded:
2 h 23 min
